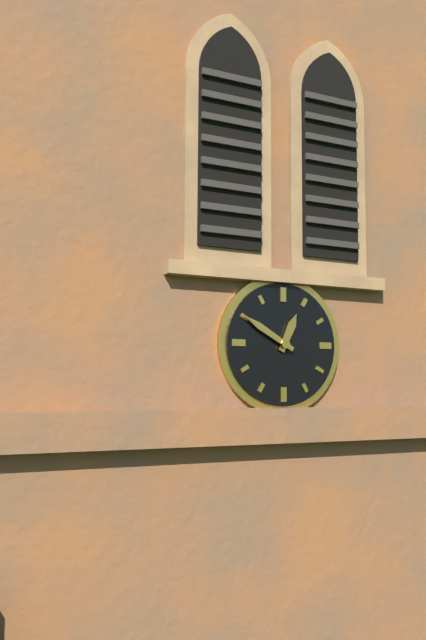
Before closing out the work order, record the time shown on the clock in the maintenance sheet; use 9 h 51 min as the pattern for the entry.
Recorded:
12 h 50 min
